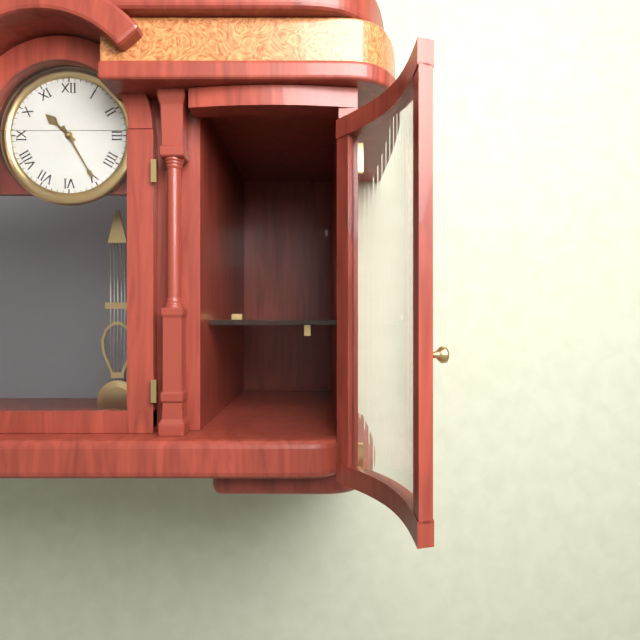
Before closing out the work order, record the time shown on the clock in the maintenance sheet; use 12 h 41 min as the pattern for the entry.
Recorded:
10 h 25 min
